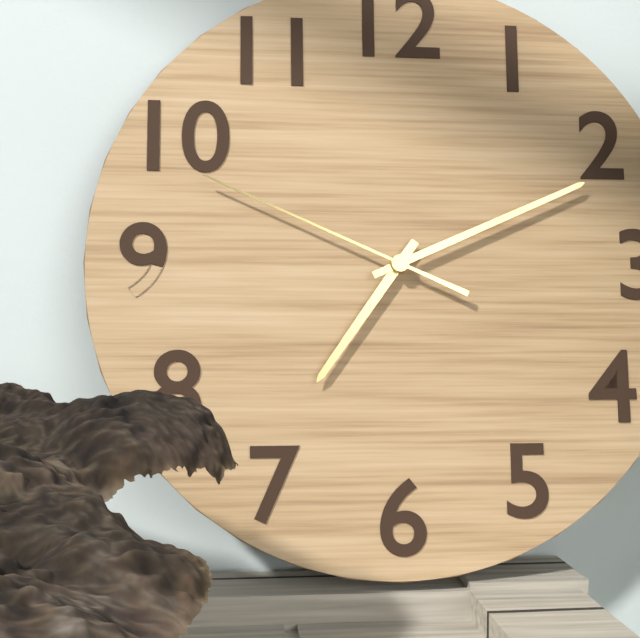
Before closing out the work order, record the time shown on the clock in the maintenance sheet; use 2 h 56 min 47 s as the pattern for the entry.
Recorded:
7 h 11 min 49 s
